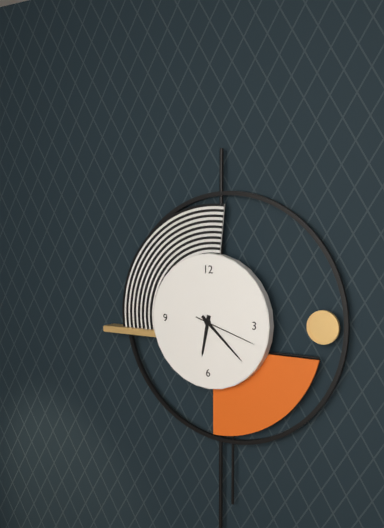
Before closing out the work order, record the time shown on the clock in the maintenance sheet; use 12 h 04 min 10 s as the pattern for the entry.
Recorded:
6 h 22 min 18 s
